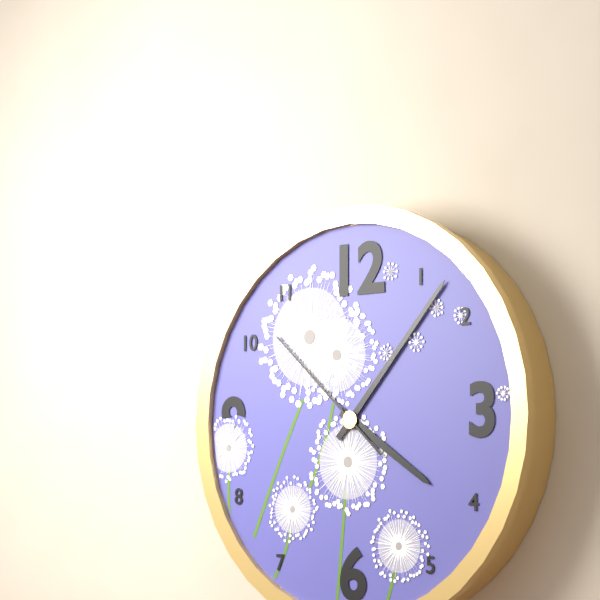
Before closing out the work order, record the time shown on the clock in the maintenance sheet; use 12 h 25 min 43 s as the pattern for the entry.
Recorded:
4 h 07 min 52 s
